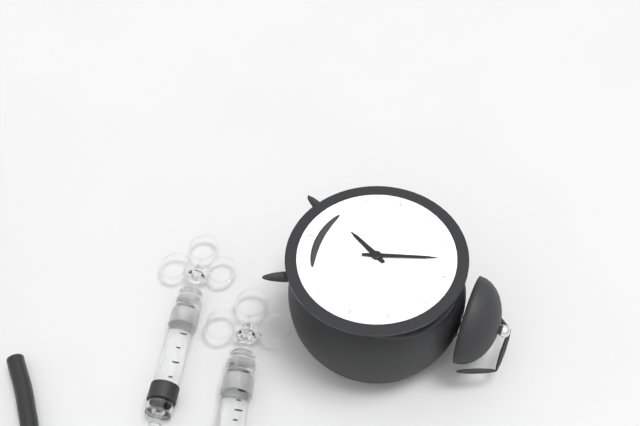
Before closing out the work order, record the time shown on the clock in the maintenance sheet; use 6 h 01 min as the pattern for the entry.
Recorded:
6 h 57 min
